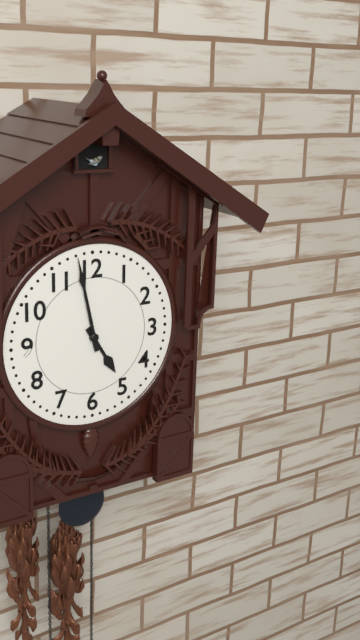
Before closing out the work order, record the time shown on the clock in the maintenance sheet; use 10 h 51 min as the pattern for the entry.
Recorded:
4 h 58 min
